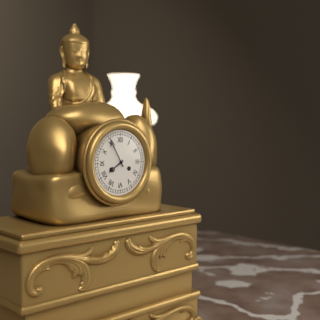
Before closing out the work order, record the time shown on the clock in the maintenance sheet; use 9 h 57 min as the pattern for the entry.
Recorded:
7 h 55 min
